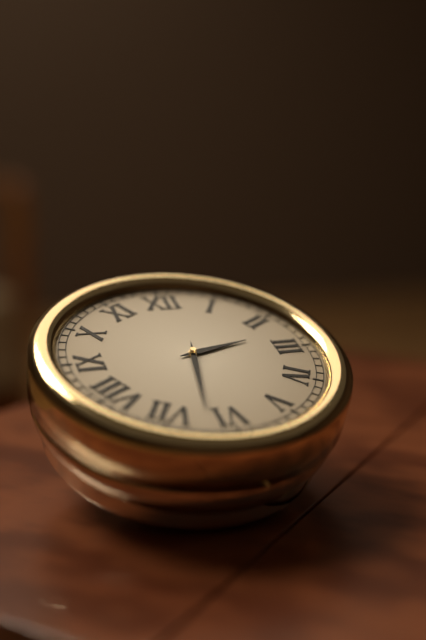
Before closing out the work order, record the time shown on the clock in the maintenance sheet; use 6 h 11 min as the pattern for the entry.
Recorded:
2 h 32 min
